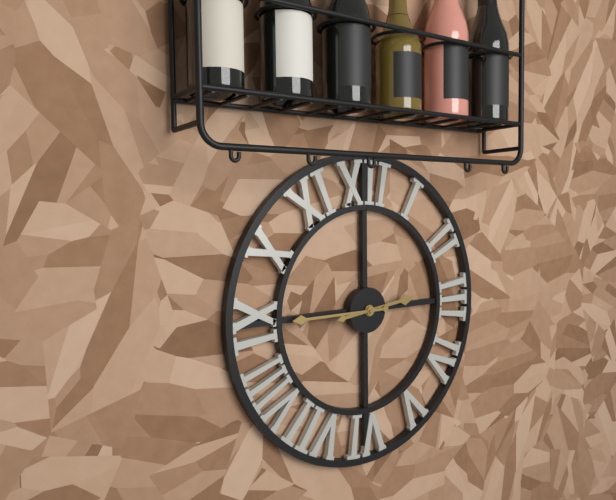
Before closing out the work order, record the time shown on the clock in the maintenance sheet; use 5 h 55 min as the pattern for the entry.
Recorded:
2 h 45 min
